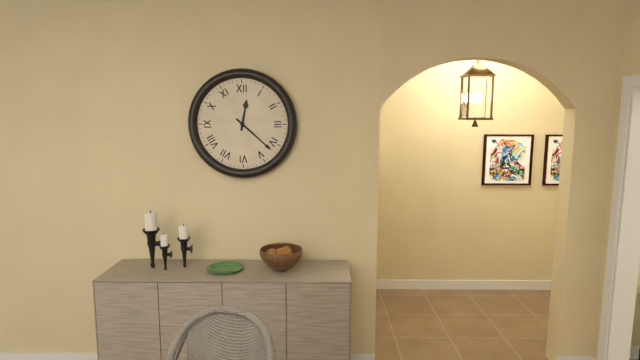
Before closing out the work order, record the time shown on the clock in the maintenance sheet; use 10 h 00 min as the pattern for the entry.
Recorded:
12 h 22 min
